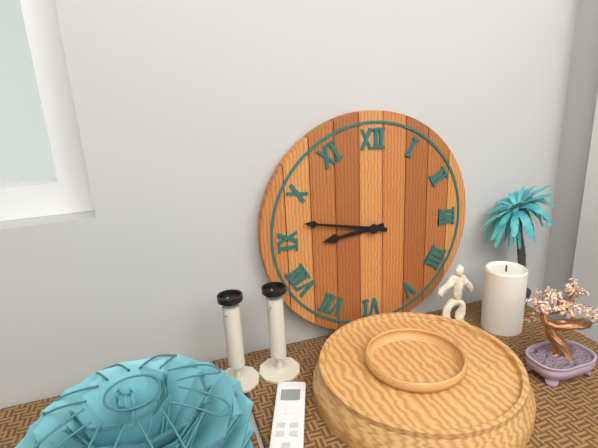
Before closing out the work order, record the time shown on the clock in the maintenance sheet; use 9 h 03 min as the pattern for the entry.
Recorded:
8 h 47 min
